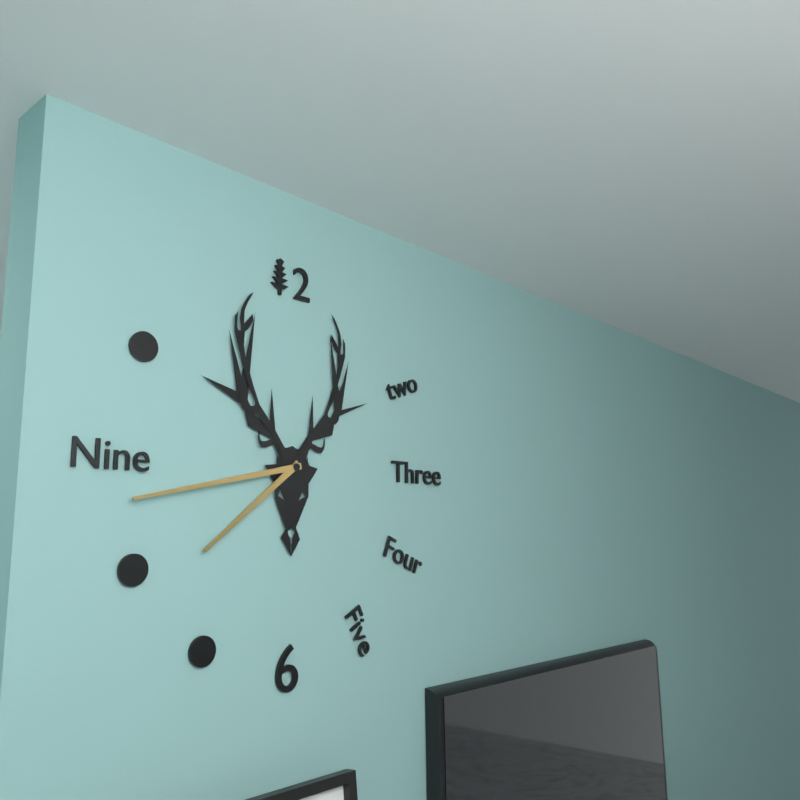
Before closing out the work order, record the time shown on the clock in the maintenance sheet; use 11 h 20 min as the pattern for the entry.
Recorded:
7 h 43 min
